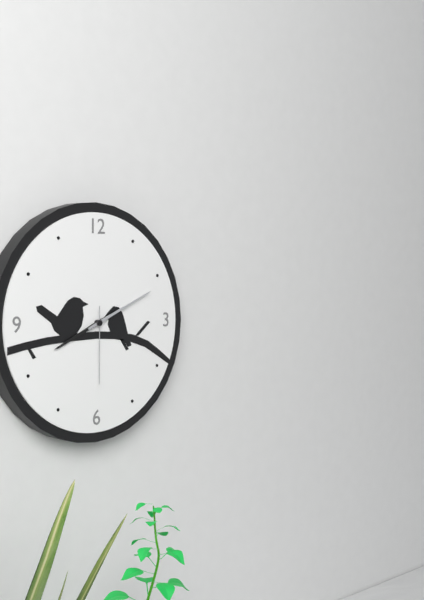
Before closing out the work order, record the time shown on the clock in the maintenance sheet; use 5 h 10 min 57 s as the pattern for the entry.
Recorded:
8 h 11 min 30 s
